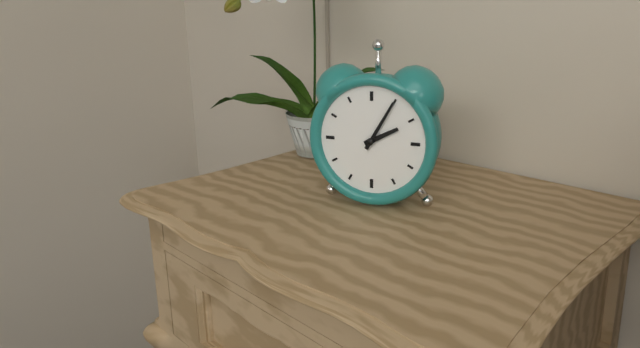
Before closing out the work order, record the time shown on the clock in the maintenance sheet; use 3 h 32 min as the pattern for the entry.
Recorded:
2 h 05 min
